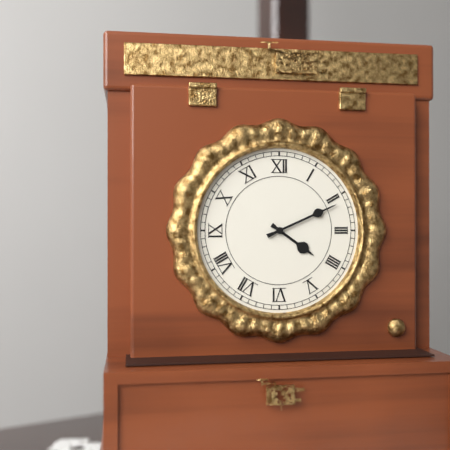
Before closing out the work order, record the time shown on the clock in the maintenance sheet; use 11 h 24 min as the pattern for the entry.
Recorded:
4 h 11 min
